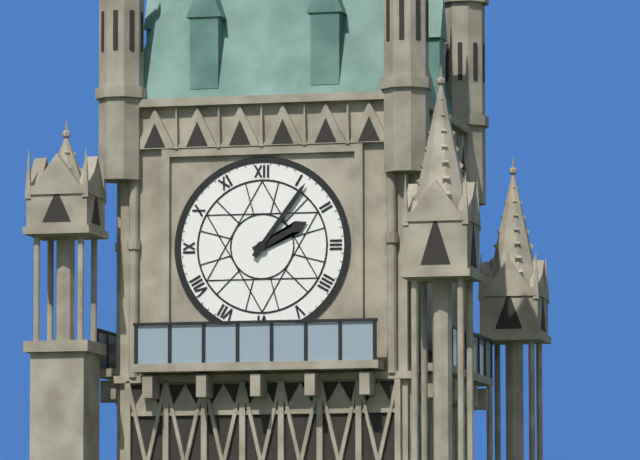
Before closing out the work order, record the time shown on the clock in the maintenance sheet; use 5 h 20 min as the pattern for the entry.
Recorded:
2 h 06 min
